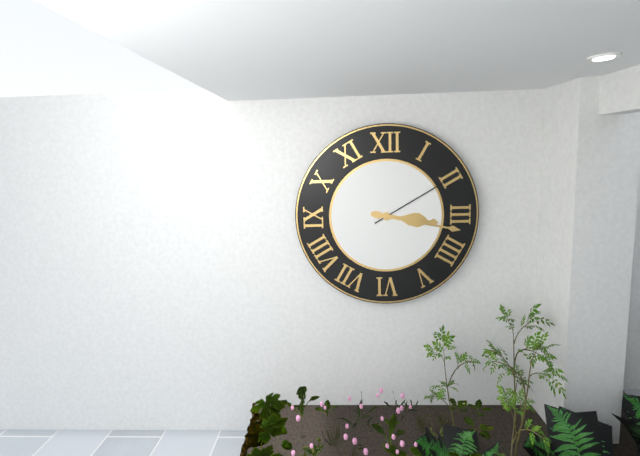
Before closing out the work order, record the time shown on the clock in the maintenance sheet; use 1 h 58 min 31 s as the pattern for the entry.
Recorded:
3 h 17 min 10 s
